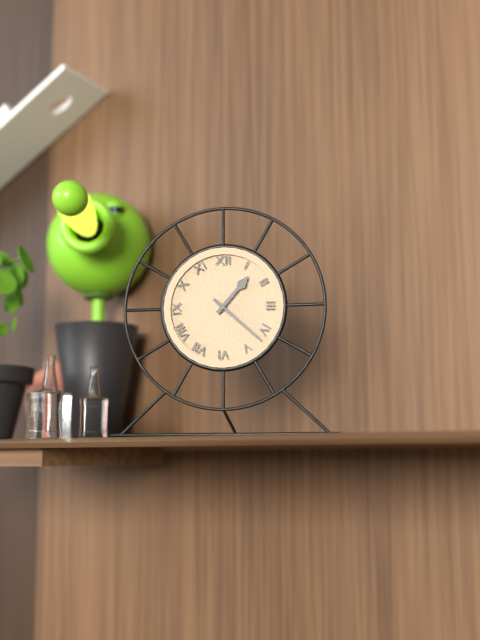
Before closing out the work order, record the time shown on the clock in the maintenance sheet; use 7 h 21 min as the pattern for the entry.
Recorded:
1 h 22 min
